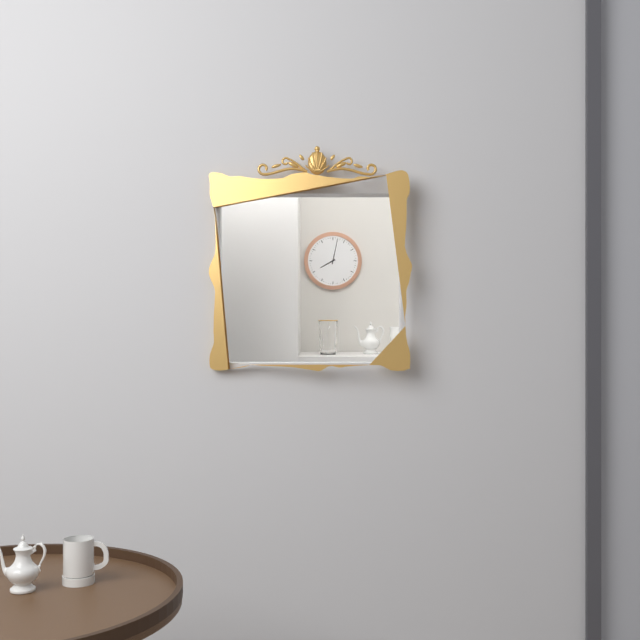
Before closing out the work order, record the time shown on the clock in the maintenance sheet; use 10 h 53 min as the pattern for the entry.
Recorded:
8 h 02 min
